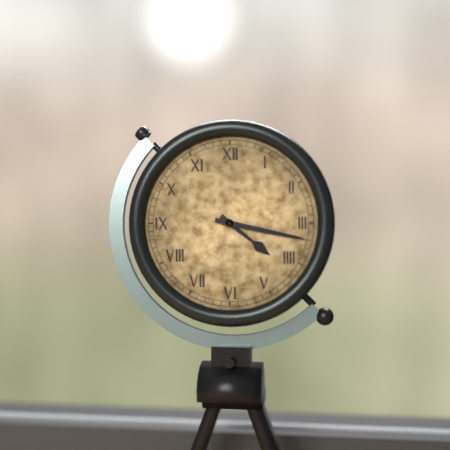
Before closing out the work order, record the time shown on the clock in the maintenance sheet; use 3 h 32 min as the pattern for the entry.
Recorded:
4 h 17 min
